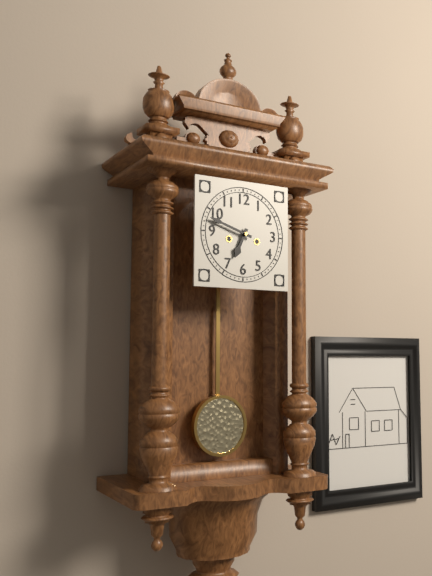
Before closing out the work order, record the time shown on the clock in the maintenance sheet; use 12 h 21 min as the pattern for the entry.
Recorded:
6 h 48 min
